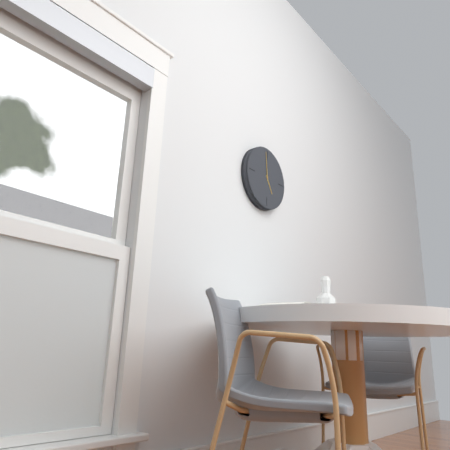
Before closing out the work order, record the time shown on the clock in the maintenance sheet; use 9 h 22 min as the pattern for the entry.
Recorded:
4 h 59 min
